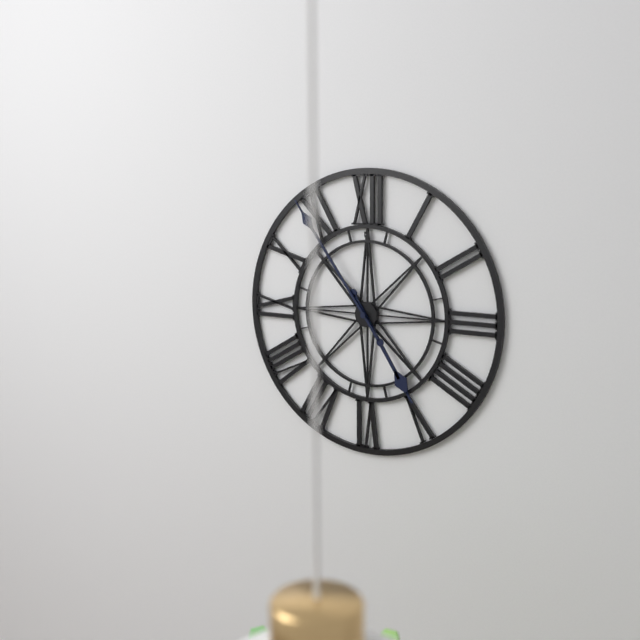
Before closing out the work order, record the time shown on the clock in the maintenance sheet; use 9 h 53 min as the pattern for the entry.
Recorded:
4 h 54 min
